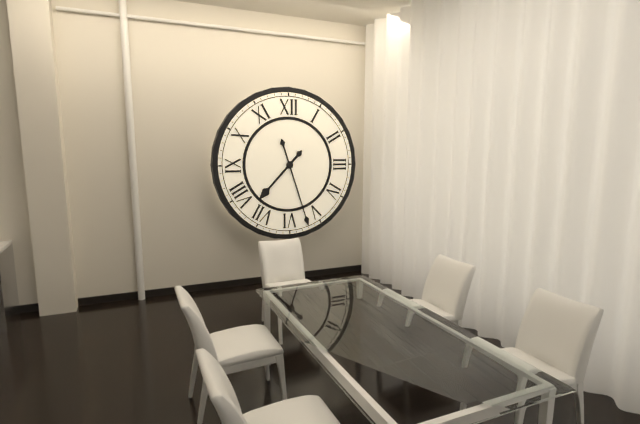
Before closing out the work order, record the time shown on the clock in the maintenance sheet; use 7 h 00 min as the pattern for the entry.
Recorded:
7 h 27 min
